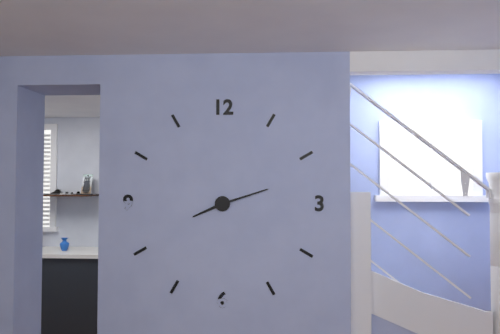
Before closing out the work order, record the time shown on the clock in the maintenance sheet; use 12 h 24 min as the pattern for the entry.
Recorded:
8 h 12 min
